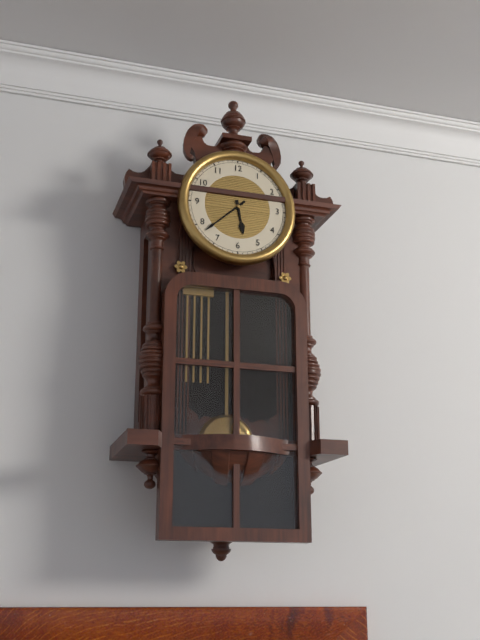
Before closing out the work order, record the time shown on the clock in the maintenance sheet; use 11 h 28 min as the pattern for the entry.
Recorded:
5 h 38 min
